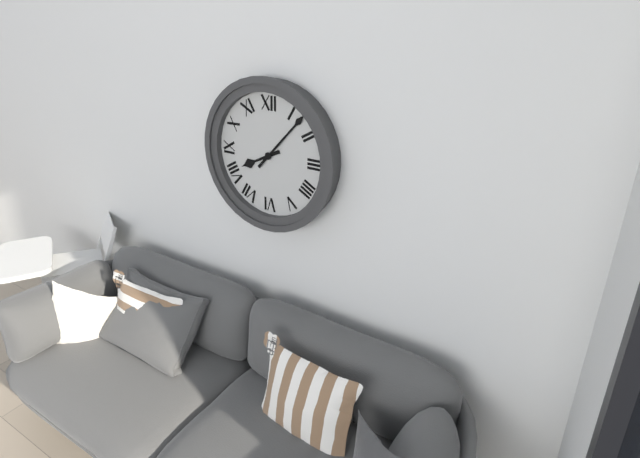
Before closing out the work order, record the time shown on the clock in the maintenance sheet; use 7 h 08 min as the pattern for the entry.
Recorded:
8 h 07 min
